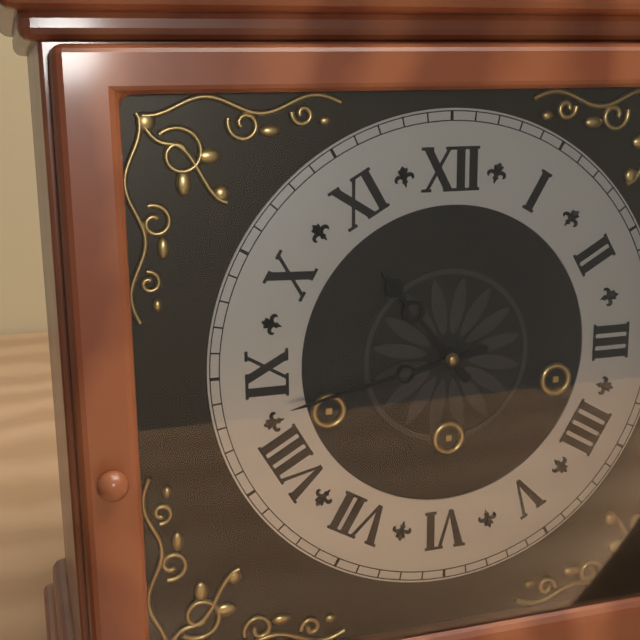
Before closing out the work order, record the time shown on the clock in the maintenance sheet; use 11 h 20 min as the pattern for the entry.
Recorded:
10 h 43 min
